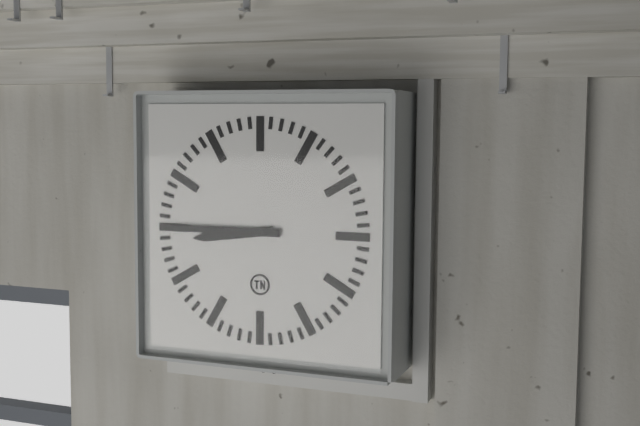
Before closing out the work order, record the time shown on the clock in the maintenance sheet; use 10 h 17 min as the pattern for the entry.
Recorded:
8 h 45 min
